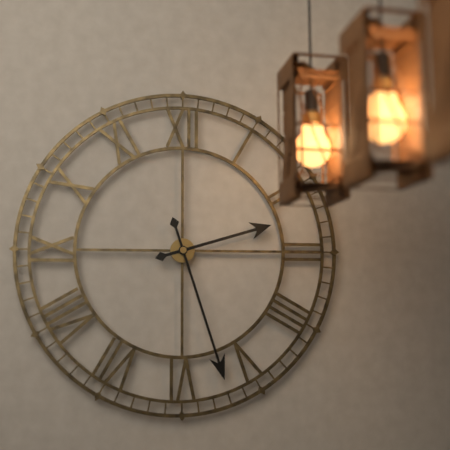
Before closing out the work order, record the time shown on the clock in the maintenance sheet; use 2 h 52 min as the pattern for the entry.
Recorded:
2 h 27 min
